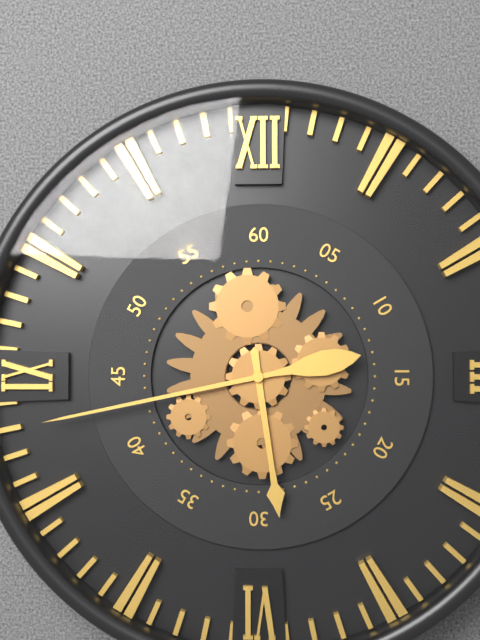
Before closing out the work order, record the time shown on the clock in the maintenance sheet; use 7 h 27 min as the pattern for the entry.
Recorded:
5 h 43 min
